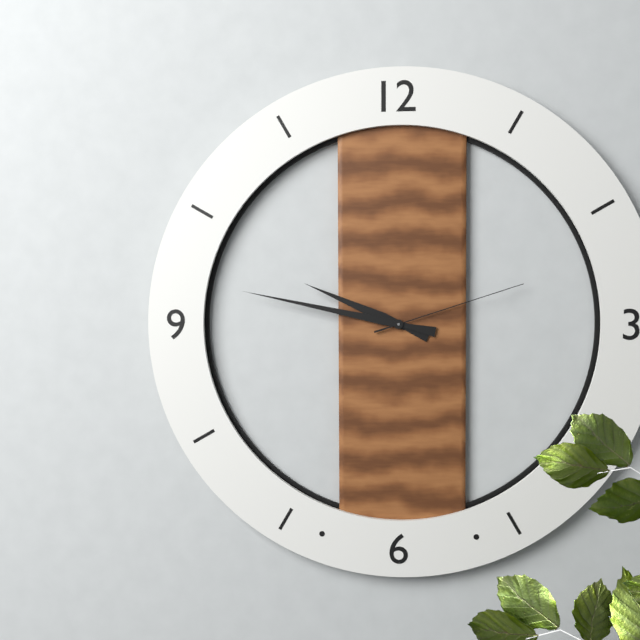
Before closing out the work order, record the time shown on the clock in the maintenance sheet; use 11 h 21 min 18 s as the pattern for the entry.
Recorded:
9 h 47 min 12 s
